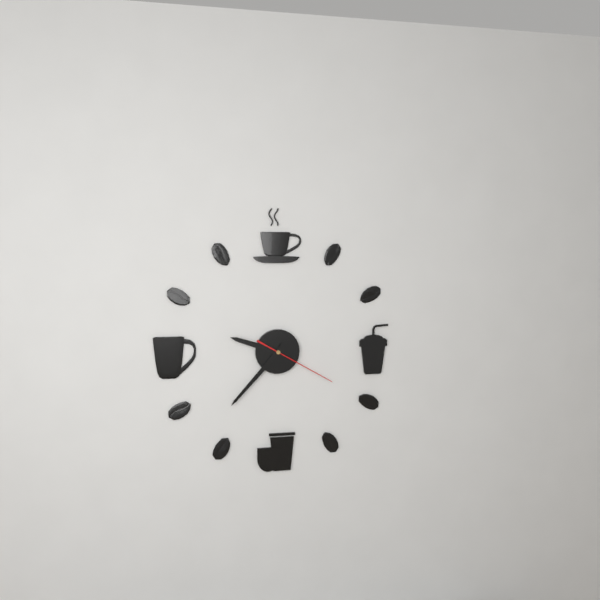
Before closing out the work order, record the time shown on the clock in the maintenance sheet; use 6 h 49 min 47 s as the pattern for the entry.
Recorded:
9 h 37 min 20 s
